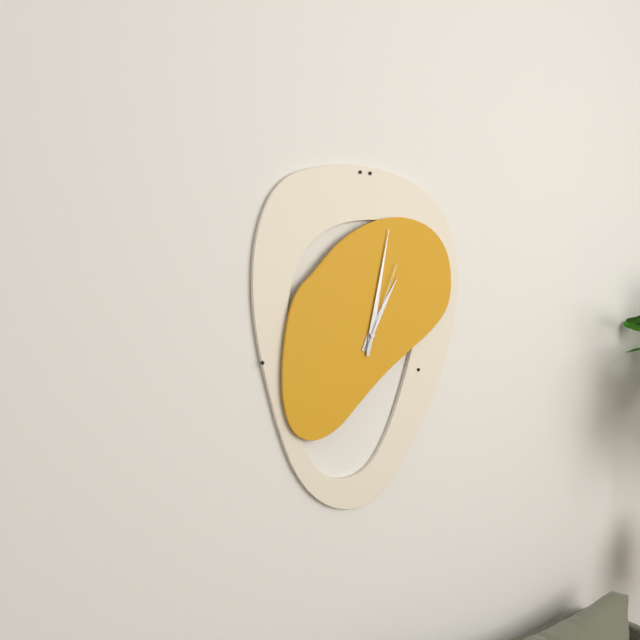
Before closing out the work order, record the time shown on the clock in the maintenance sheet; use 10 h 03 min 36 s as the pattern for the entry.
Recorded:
1 h 02 min 04 s
